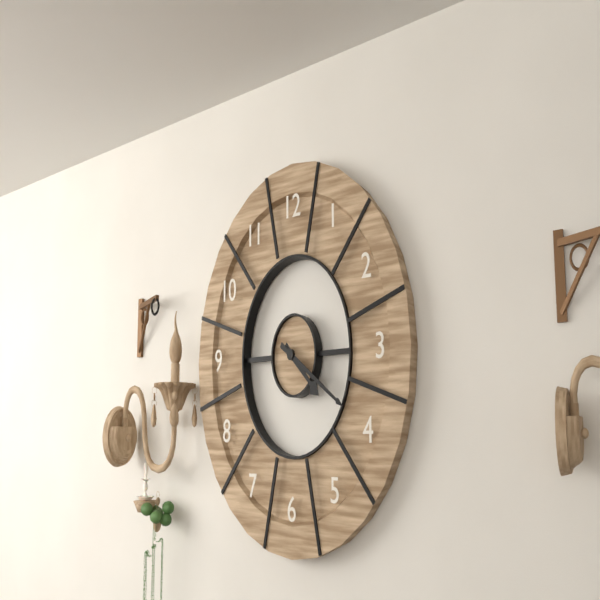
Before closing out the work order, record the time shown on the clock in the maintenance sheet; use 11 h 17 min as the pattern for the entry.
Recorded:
4 h 20 min
